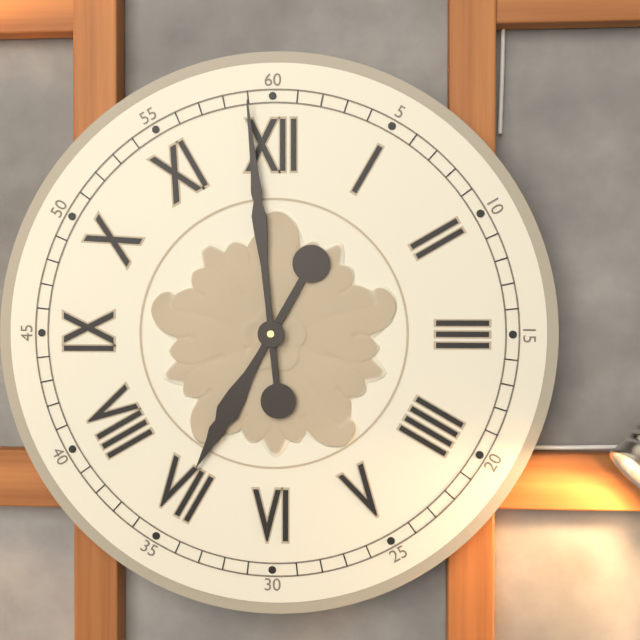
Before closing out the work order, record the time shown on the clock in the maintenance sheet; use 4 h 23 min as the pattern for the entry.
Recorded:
6 h 59 min
